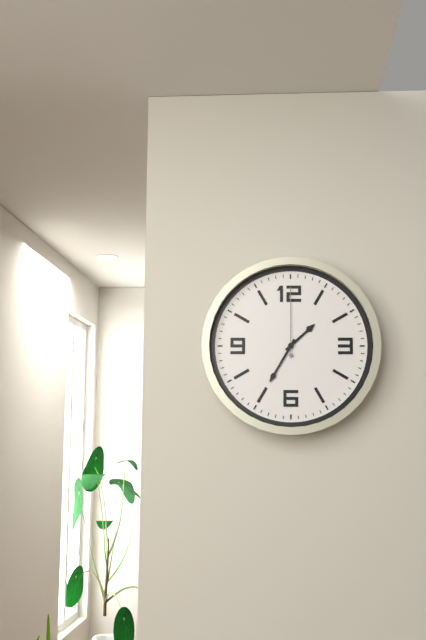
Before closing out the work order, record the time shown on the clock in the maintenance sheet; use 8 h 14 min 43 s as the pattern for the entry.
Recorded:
1 h 35 min 00 s
